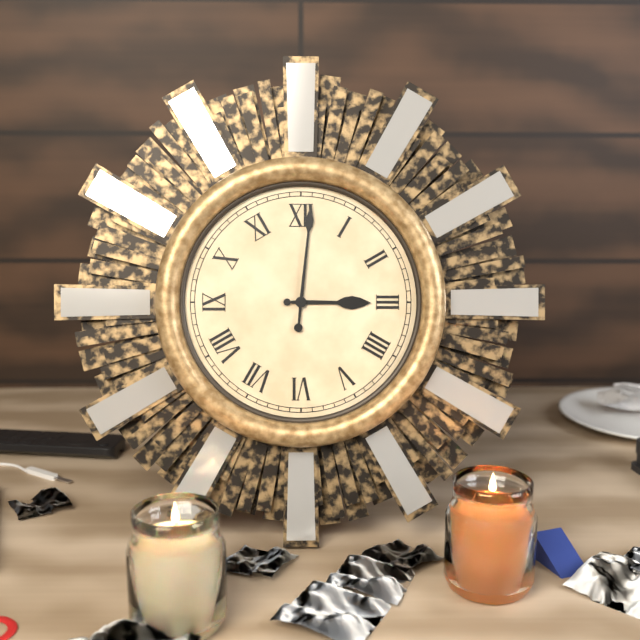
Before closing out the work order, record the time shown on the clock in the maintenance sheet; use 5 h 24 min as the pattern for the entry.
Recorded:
3 h 01 min
